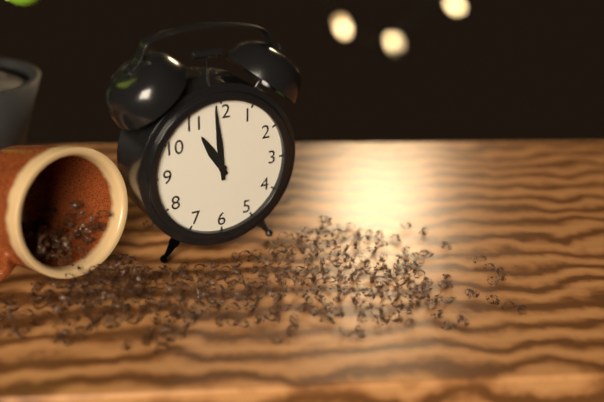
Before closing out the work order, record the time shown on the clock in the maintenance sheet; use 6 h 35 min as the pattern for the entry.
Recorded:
10 h 59 min
